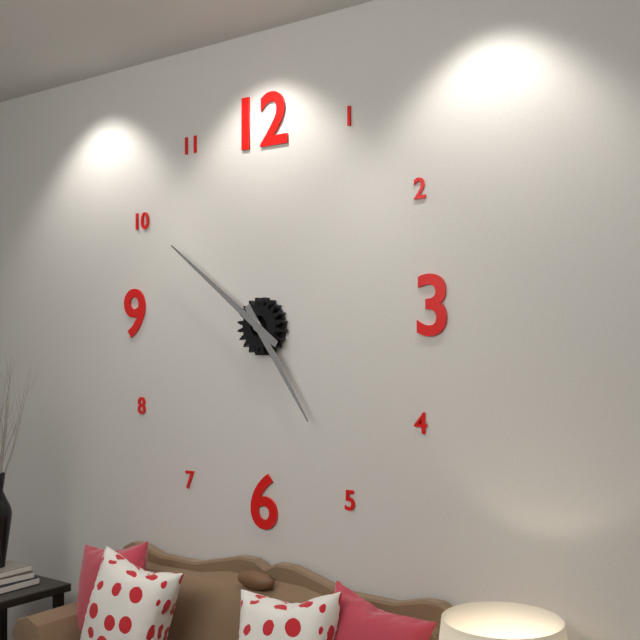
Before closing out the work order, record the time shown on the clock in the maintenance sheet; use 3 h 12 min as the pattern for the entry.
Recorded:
4 h 51 min
